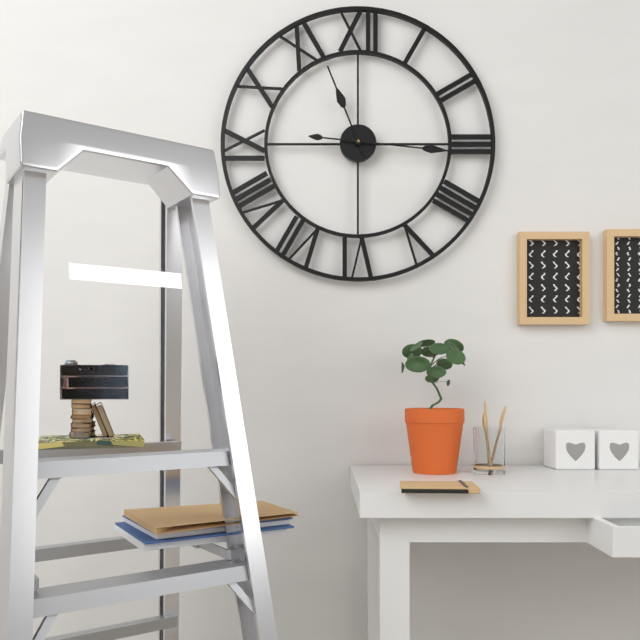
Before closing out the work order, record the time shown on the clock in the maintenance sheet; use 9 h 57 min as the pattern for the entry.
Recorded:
11 h 16 min
